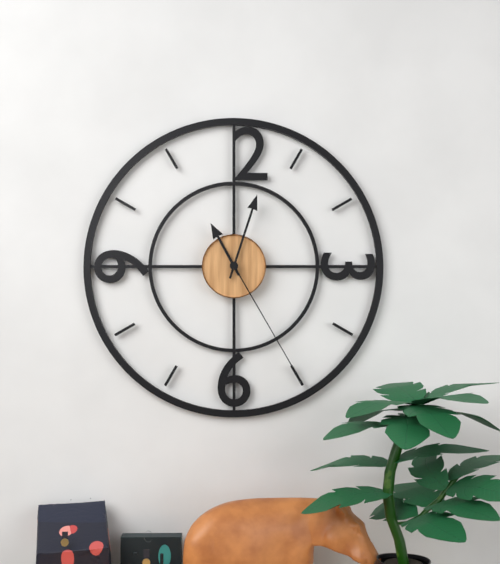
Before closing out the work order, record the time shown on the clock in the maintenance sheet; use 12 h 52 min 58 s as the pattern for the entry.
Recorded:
11 h 03 min 25 s
